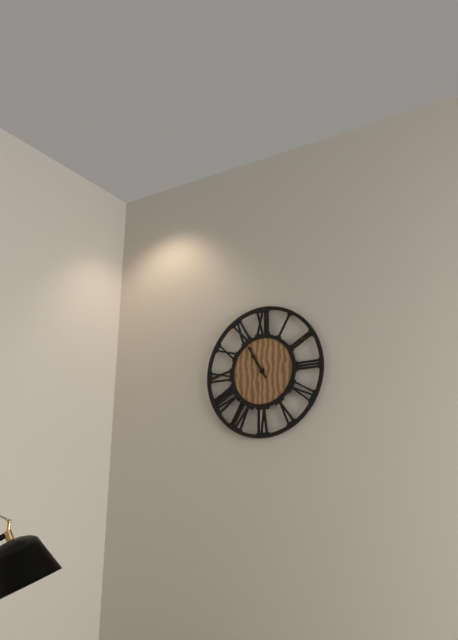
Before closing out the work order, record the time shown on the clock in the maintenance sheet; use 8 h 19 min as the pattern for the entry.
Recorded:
10 h 55 min
